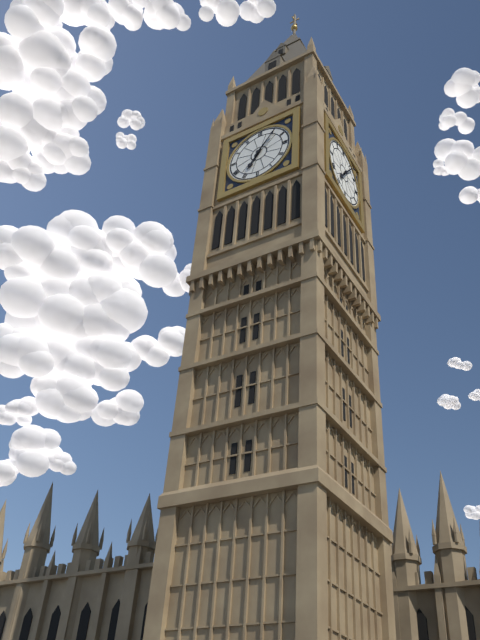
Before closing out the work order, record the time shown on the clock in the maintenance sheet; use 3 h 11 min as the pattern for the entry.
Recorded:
7 h 06 min
